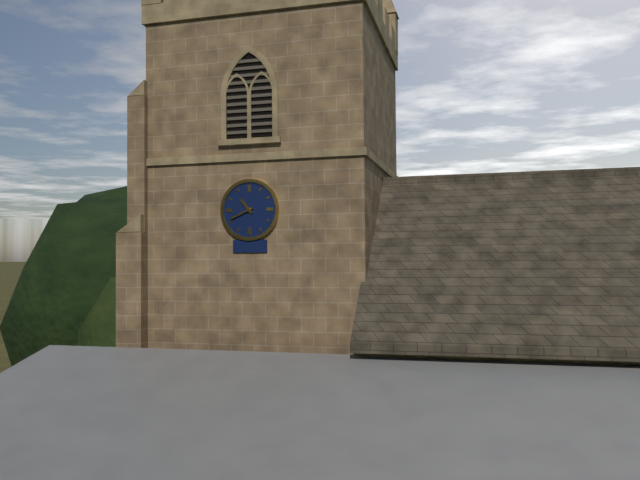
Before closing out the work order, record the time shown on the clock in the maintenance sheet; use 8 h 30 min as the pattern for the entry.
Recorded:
10 h 41 min
